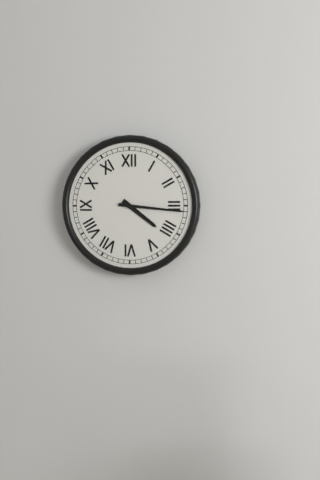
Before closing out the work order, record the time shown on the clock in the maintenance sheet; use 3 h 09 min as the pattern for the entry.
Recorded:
4 h 16 min
